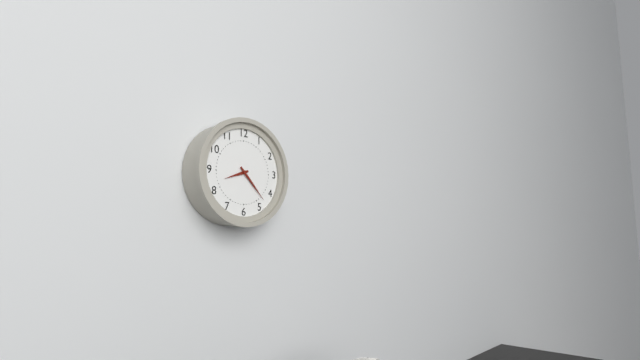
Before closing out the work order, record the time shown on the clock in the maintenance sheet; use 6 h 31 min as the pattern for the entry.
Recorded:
8 h 23 min
